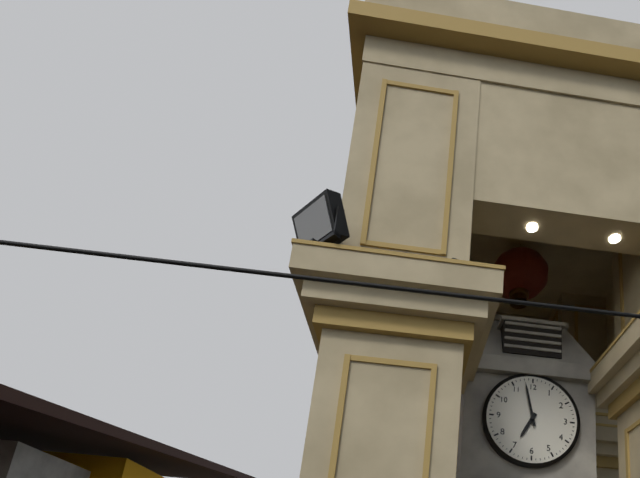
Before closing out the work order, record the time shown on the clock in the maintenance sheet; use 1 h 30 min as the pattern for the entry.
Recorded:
6 h 58 min
